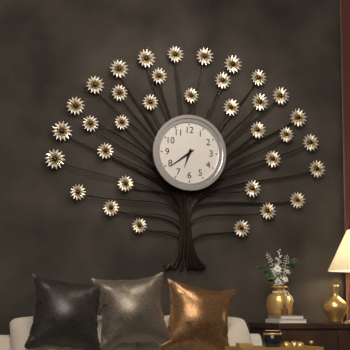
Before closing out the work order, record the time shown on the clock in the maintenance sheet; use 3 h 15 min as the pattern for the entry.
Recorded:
6 h 39 min
